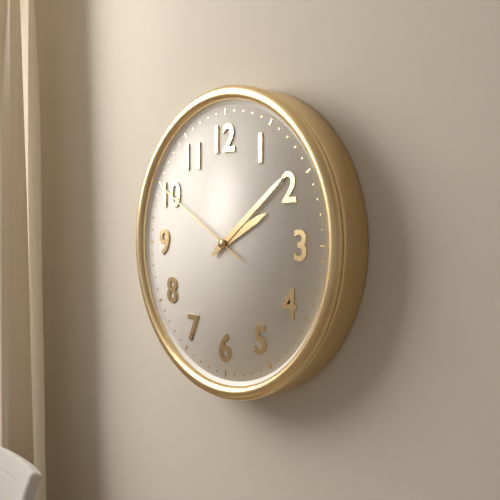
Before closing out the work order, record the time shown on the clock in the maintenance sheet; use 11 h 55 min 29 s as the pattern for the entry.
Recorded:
2 h 09 min 50 s
